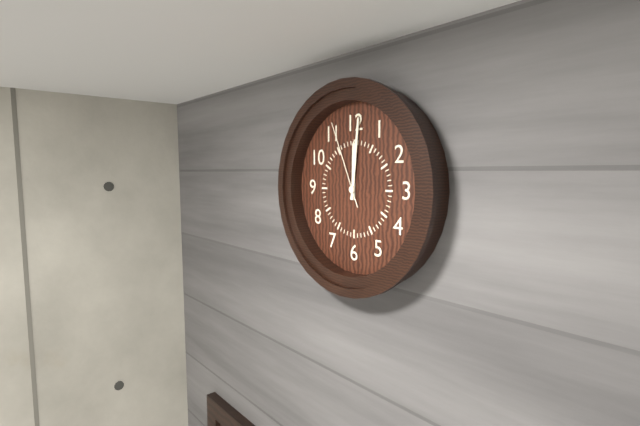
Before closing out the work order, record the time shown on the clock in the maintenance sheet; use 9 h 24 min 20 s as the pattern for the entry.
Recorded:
12 h 01 min 56 s
